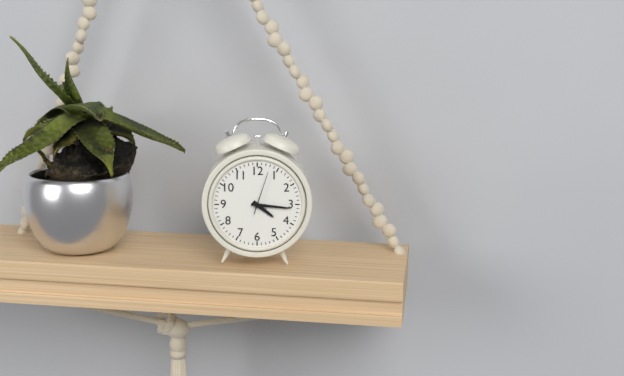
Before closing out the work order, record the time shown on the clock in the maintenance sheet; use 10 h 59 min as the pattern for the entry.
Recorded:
4 h 16 min
